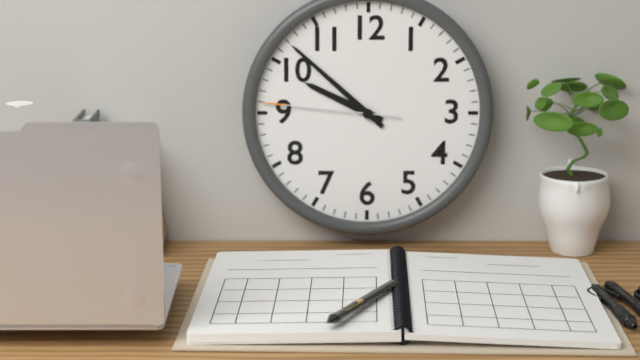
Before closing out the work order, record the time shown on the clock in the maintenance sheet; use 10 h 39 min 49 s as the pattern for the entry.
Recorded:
9 h 52 min 46 s
